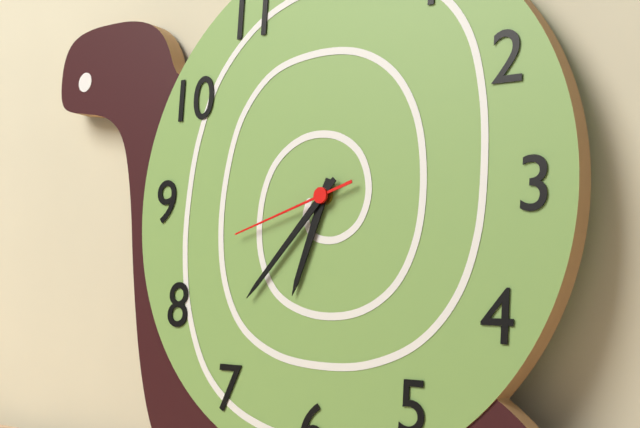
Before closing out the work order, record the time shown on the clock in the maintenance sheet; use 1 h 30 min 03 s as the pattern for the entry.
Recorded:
6 h 37 min 42 s
